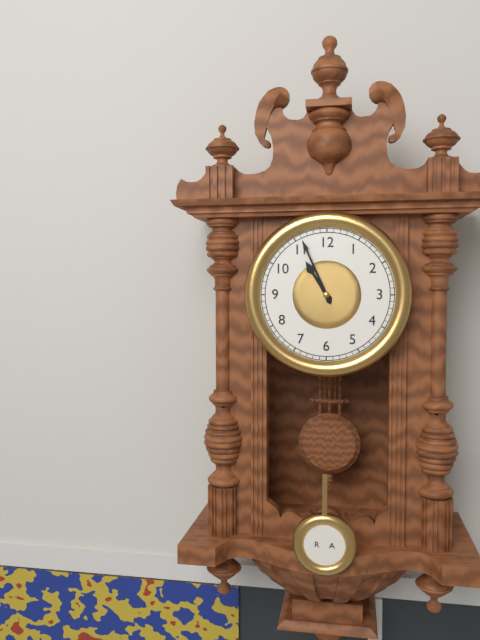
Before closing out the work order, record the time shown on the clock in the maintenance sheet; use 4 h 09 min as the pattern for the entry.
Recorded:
10 h 56 min
